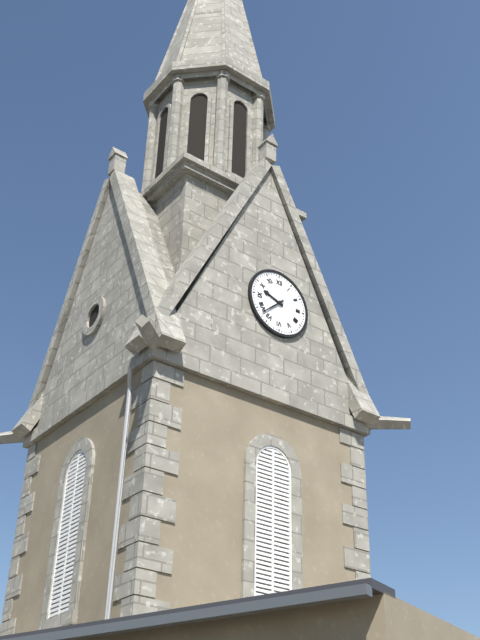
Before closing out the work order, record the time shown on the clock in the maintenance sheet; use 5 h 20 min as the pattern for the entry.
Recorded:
9 h 38 min
